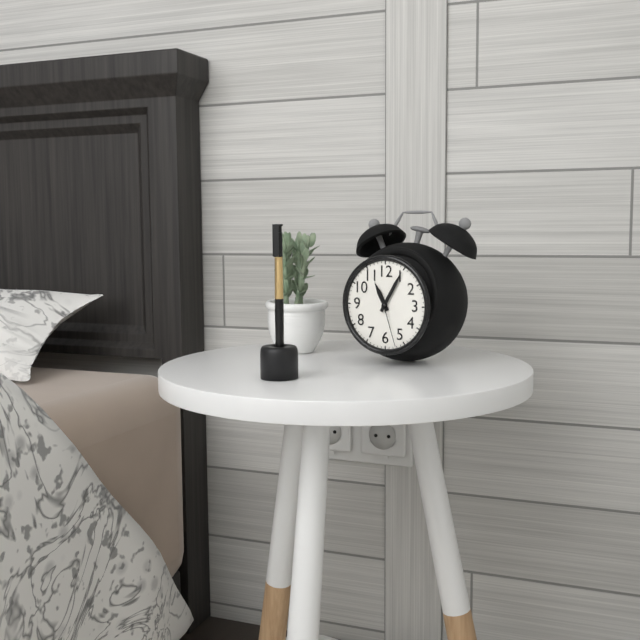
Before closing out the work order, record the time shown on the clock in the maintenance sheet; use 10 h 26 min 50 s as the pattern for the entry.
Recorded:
11 h 05 min 27 s
